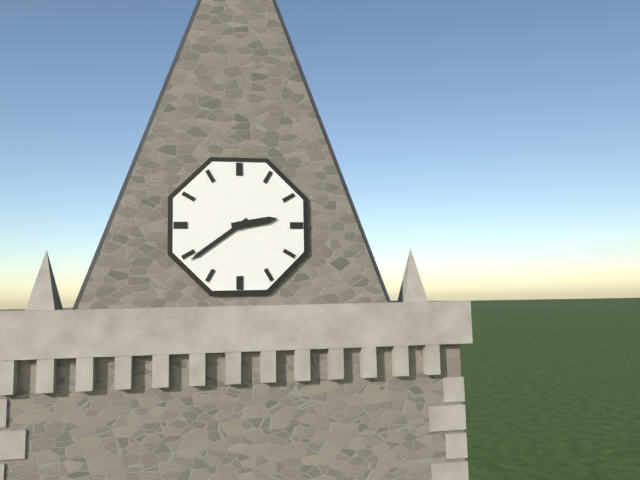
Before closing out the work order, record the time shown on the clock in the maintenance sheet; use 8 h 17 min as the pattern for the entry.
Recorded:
2 h 39 min
